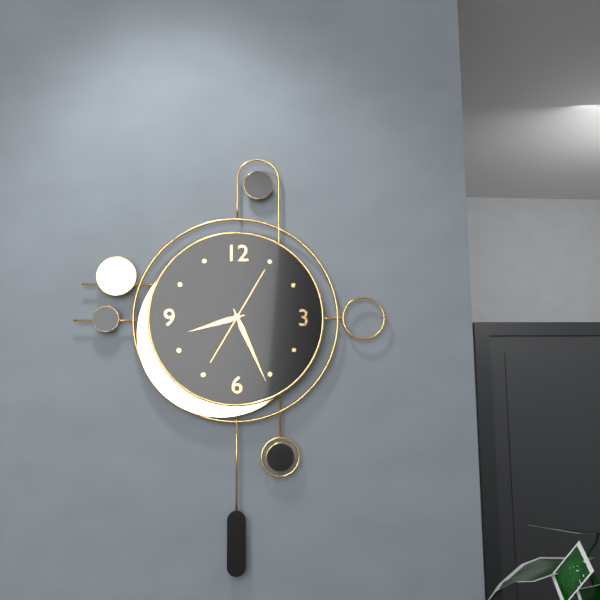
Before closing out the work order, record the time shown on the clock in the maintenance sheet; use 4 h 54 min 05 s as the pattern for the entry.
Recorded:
8 h 26 min 05 s
